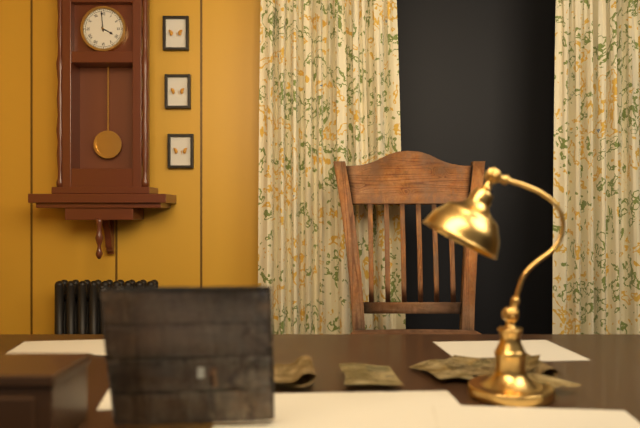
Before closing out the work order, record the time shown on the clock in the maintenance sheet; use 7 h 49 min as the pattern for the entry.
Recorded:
3 h 59 min
